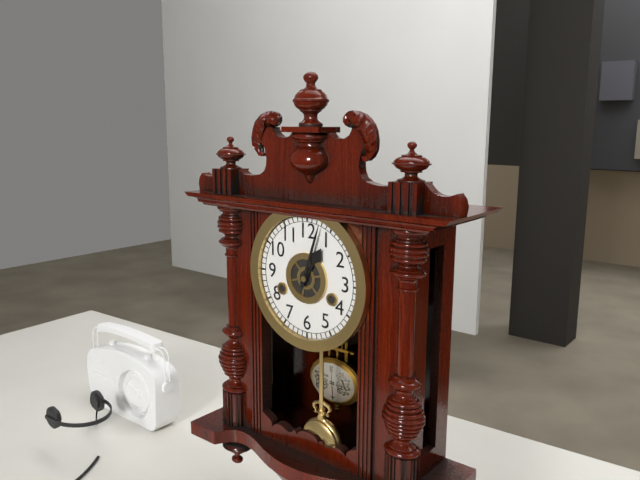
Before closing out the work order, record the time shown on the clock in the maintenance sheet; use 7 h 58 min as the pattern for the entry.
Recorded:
1 h 03 min
